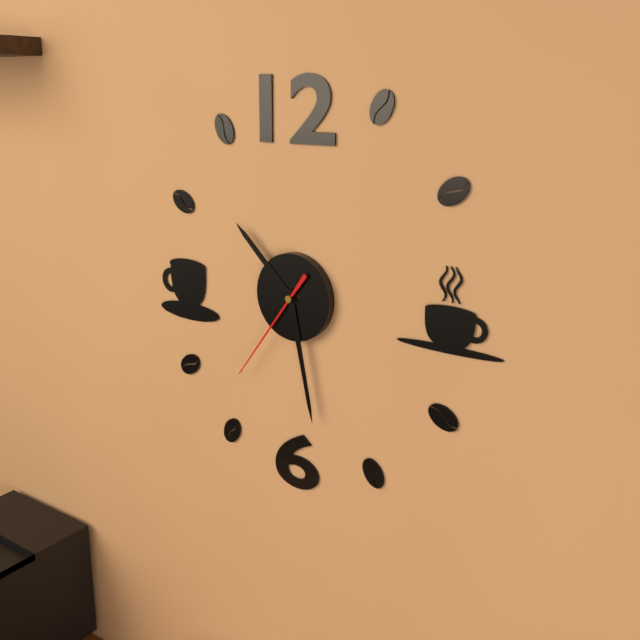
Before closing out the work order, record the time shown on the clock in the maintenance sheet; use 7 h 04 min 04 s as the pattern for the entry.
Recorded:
10 h 28 min 36 s
